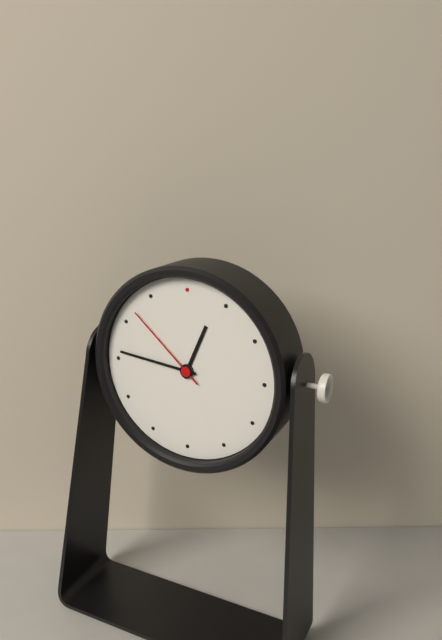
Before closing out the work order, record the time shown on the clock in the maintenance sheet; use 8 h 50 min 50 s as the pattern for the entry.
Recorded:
12 h 46 min 52 s
